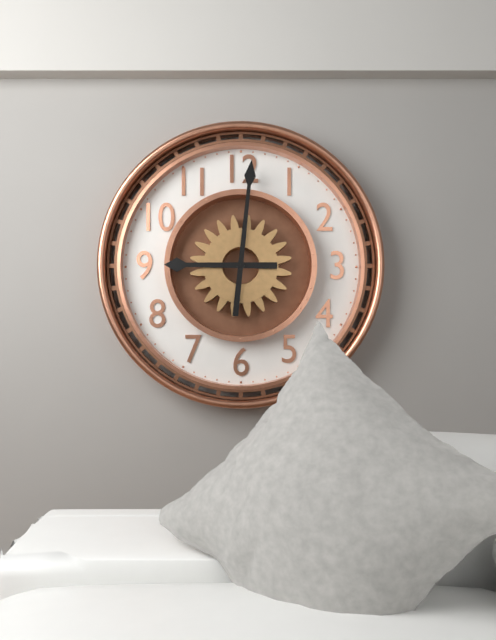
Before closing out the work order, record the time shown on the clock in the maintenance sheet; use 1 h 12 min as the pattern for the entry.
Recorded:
9 h 01 min
